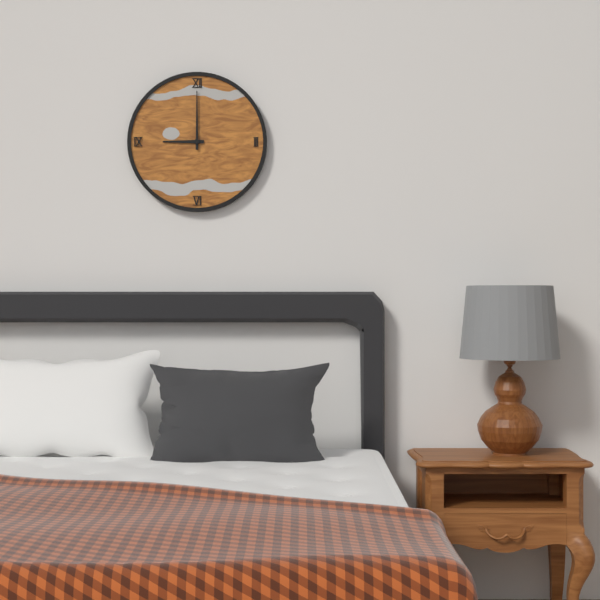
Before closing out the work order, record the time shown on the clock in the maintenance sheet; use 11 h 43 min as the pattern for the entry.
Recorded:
9 h 00 min
